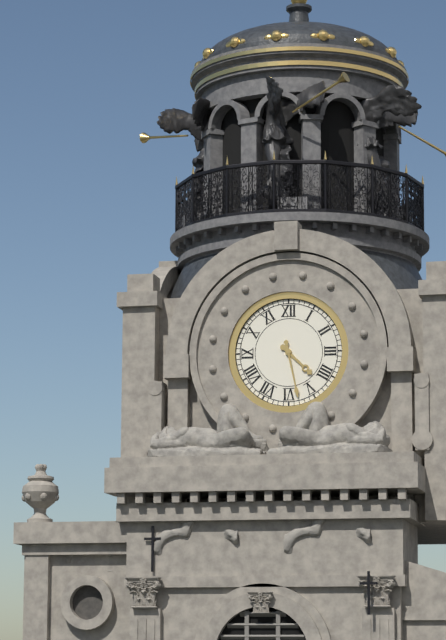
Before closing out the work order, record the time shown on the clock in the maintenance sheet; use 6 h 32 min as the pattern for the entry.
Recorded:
4 h 28 min
